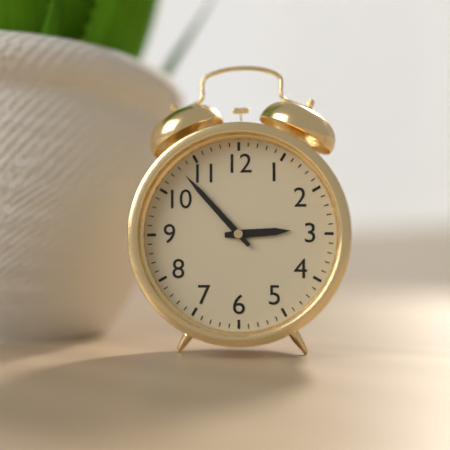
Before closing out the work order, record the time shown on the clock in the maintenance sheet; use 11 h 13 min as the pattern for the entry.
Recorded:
2 h 53 min
